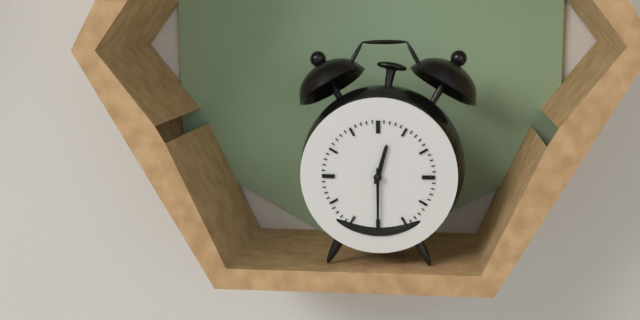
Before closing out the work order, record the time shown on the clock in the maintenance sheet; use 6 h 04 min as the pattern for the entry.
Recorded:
12 h 30 min
